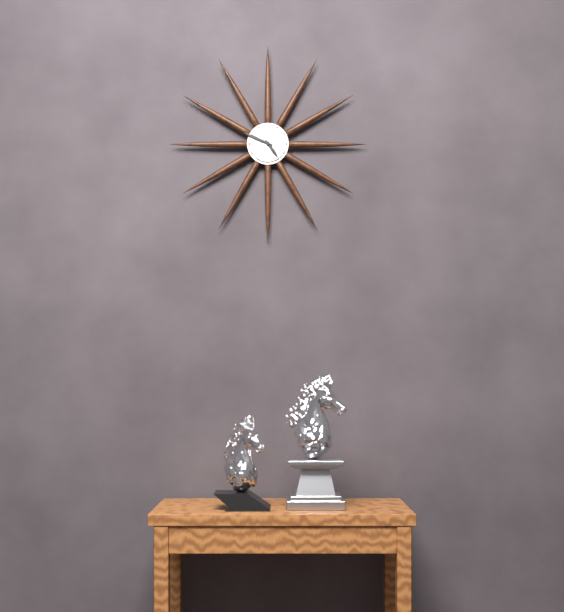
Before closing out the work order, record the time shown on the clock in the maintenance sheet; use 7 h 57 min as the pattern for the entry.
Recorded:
4 h 49 min
